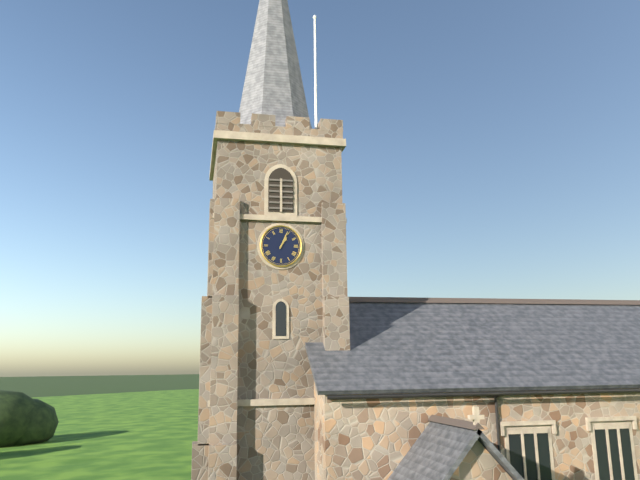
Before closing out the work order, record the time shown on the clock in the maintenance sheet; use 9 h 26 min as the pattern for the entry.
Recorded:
1 h 04 min
